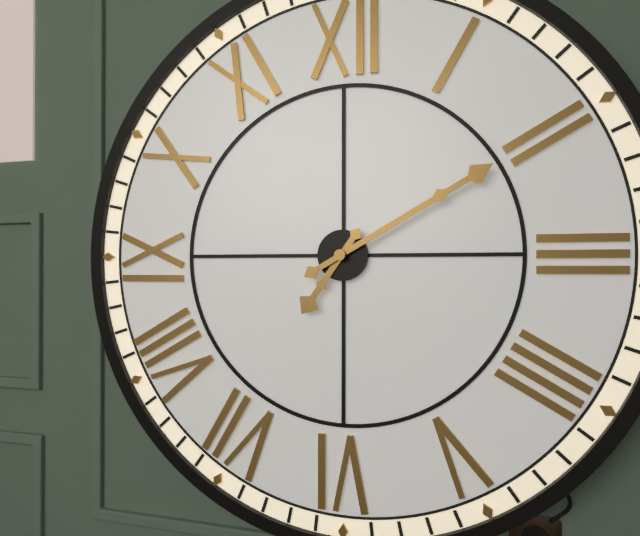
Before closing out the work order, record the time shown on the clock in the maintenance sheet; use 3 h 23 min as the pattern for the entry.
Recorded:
7 h 10 min
